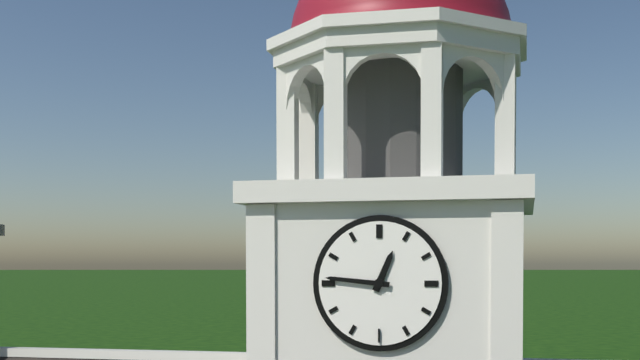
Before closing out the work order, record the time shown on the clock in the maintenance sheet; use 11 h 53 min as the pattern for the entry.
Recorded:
12 h 46 min
